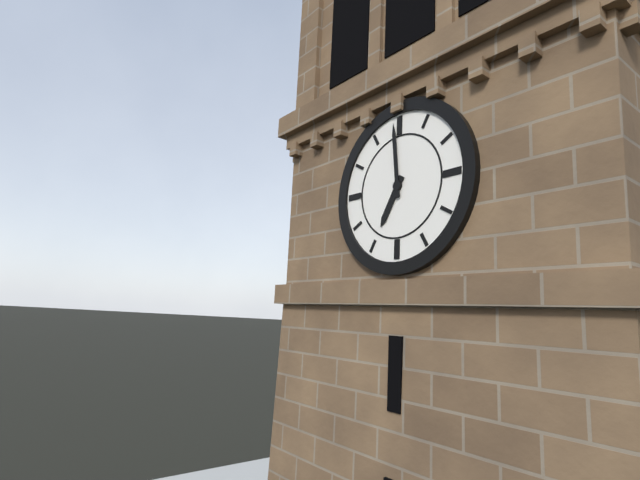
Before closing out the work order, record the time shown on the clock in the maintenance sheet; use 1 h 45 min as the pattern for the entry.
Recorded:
6 h 59 min
